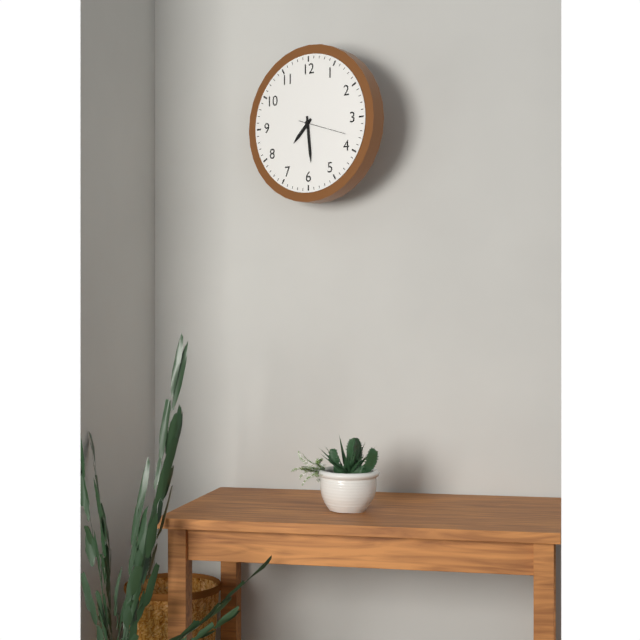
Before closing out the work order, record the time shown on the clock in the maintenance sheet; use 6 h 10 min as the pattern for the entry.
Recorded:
7 h 29 min
